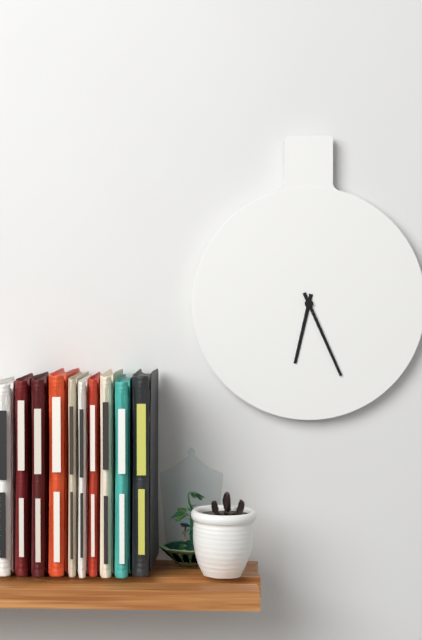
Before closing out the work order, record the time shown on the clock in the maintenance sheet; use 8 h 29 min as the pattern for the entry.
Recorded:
6 h 26 min
